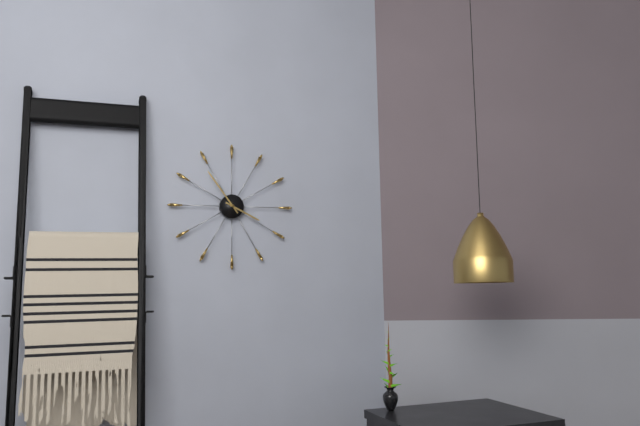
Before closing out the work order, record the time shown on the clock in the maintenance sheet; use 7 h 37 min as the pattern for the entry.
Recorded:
3 h 54 min
